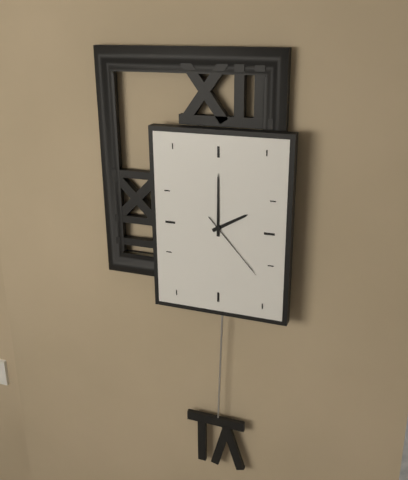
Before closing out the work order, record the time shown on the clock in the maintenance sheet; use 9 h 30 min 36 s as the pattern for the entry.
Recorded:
2 h 00 min 23 s
